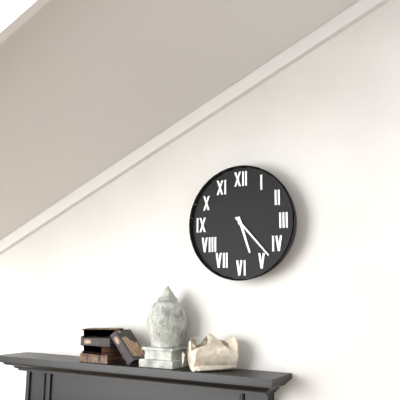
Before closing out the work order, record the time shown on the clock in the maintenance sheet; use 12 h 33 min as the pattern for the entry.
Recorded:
5 h 23 min
